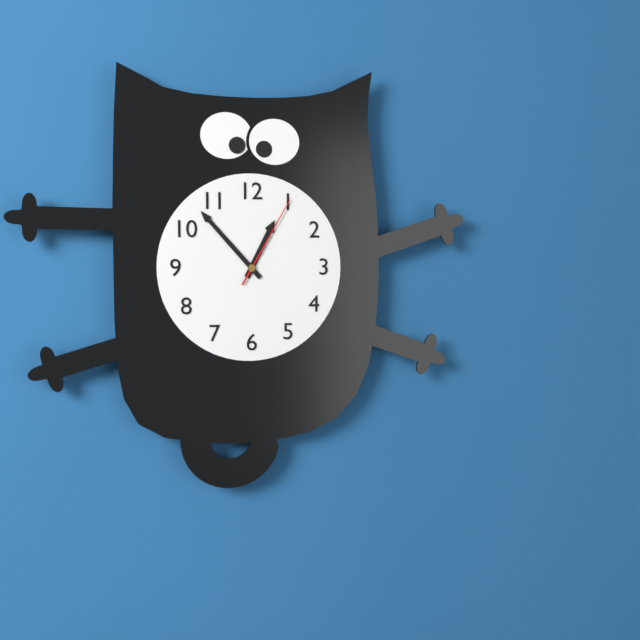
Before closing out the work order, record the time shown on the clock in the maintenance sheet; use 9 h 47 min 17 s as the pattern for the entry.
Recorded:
12 h 53 min 05 s
